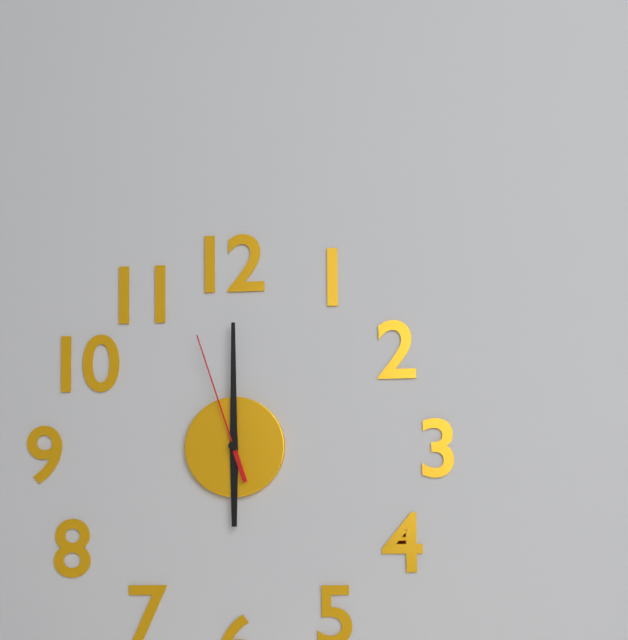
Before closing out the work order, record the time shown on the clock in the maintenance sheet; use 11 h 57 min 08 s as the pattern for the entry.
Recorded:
6 h 00 min 57 s
